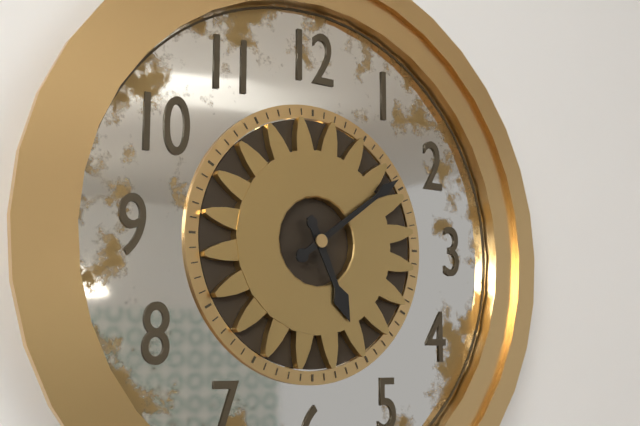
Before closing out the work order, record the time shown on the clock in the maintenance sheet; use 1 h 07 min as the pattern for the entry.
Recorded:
5 h 09 min
